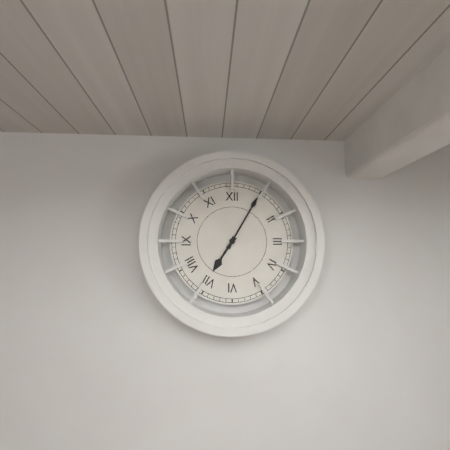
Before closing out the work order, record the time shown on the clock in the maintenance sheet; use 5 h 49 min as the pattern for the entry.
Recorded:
7 h 05 min
